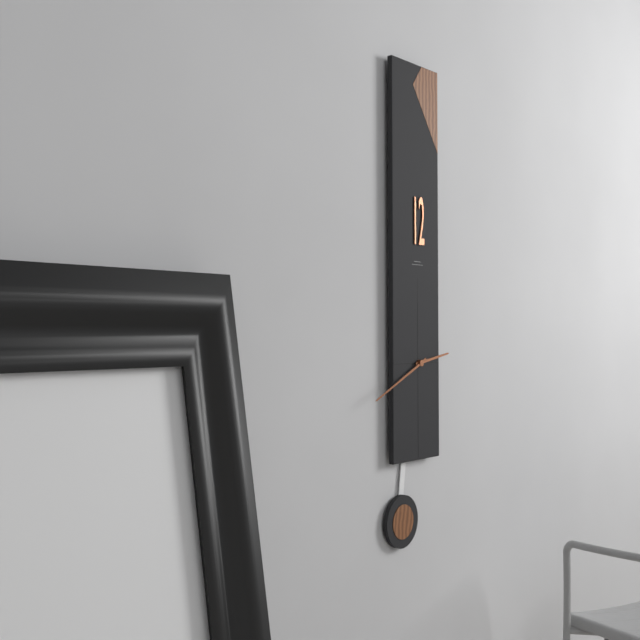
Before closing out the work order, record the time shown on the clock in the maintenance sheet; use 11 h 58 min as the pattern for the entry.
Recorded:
2 h 41 min
